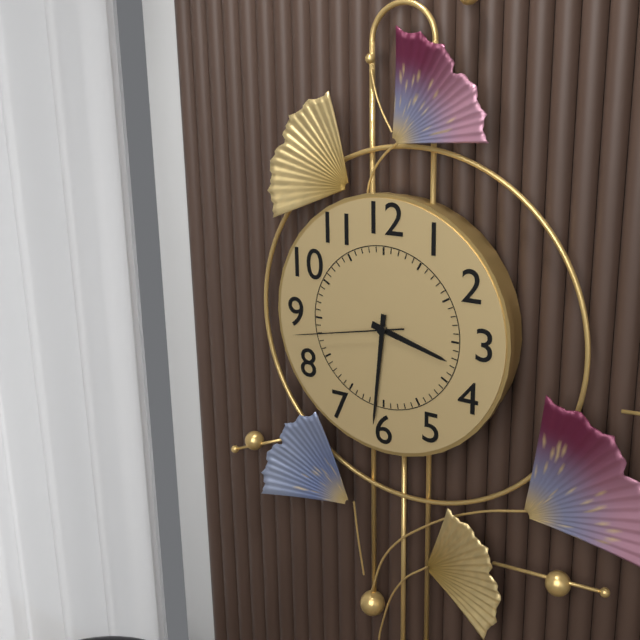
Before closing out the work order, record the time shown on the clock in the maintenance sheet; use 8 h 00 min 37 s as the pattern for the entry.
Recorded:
3 h 31 min 43 s
